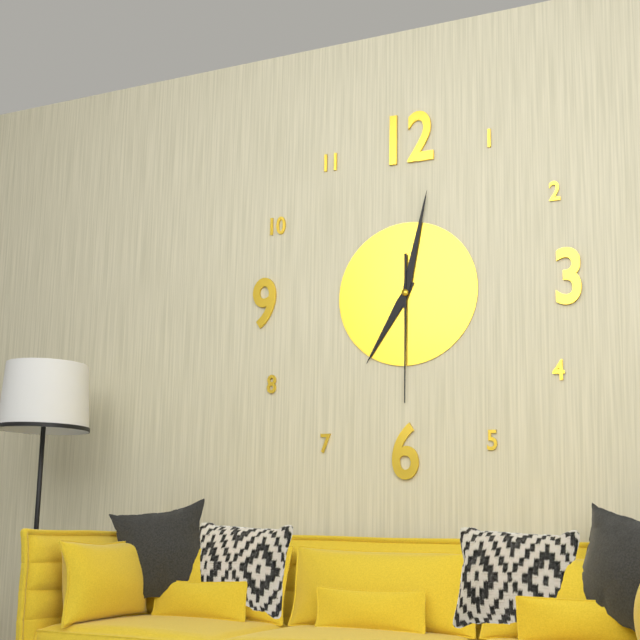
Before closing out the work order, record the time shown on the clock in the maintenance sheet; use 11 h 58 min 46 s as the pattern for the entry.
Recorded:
7 h 02 min 30 s
